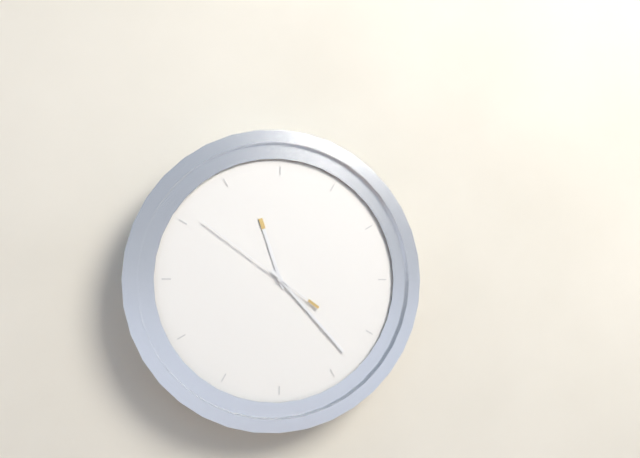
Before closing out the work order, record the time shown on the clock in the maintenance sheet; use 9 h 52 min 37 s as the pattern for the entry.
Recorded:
11 h 23 min 51 s
